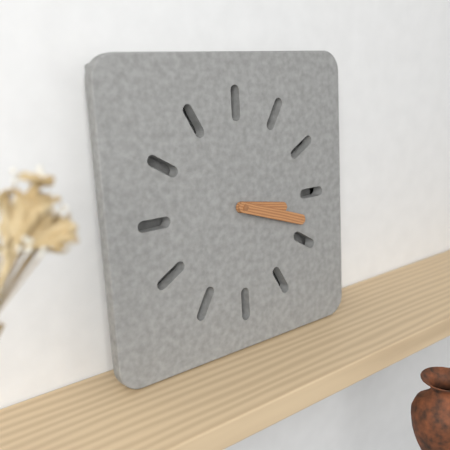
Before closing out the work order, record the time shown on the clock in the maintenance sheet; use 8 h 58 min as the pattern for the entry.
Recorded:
3 h 18 min
